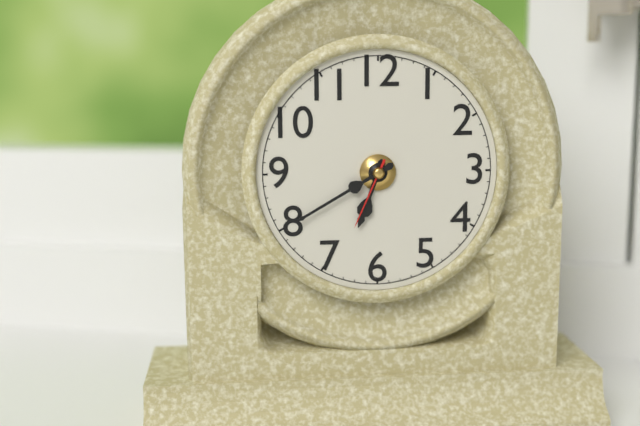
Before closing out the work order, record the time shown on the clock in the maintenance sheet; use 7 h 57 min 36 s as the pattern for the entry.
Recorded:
6 h 40 min 34 s
